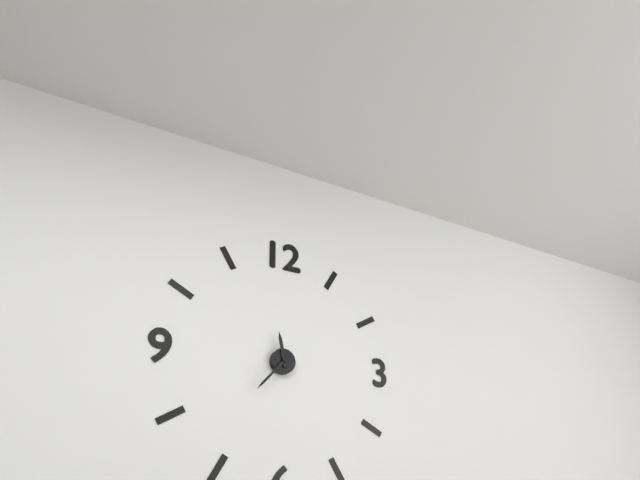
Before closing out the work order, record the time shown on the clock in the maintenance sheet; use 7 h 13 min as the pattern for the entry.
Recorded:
11 h 37 min
